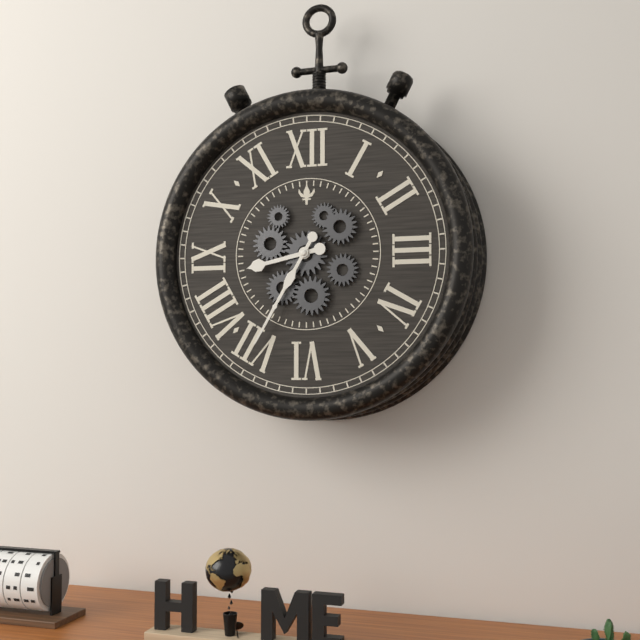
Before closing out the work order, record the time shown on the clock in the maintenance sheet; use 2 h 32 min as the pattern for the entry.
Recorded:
8 h 35 min
